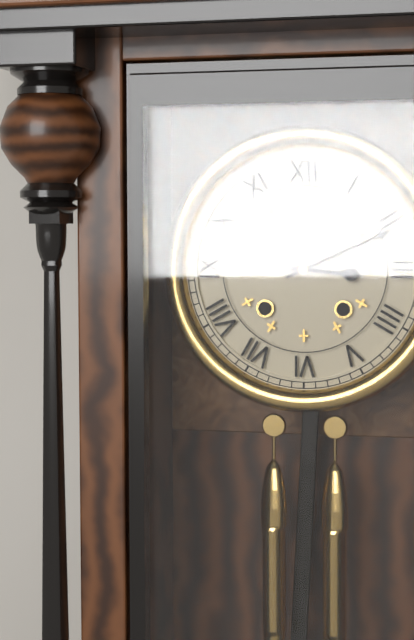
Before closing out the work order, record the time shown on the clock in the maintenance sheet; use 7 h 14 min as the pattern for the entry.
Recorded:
3 h 11 min
